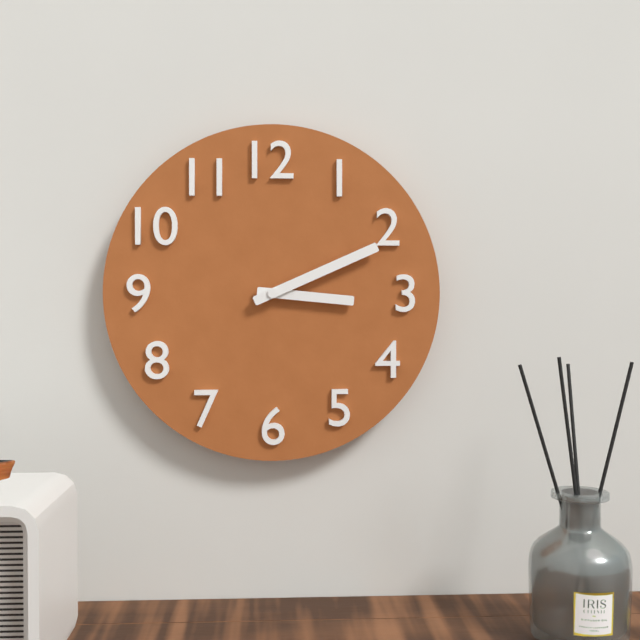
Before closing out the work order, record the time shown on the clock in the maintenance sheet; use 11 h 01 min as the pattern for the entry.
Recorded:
3 h 11 min
